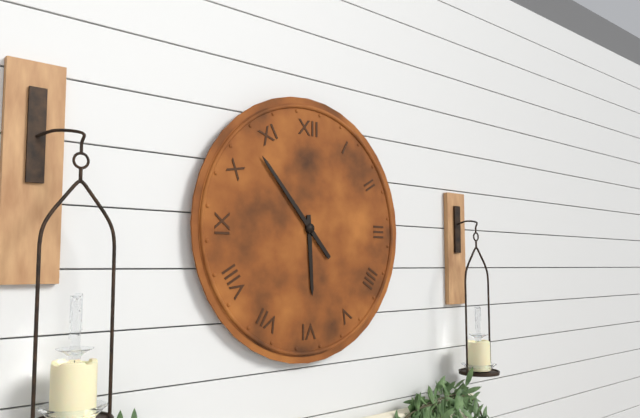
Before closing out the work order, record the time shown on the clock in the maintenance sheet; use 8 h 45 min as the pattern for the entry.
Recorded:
5 h 53 min
